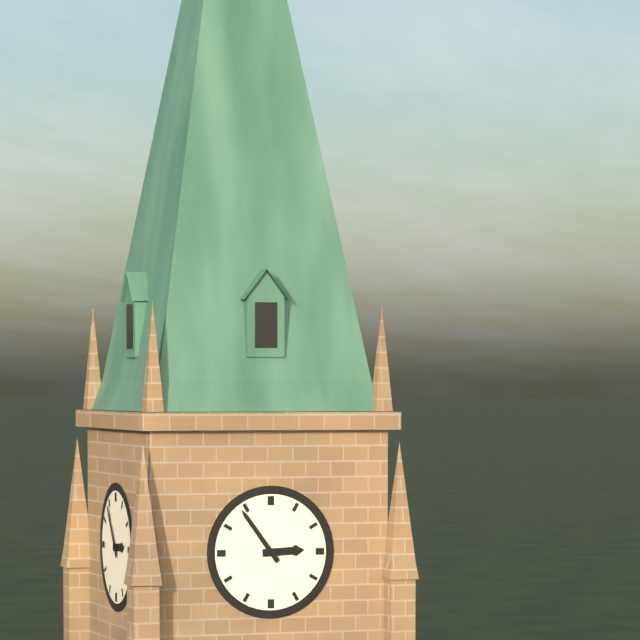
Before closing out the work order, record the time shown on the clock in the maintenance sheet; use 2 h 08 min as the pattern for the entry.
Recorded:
2 h 54 min
